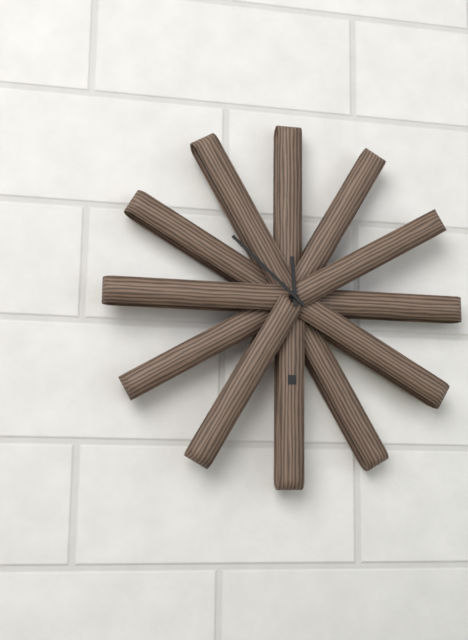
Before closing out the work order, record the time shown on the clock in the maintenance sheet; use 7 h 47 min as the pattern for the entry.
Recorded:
11 h 52 min
